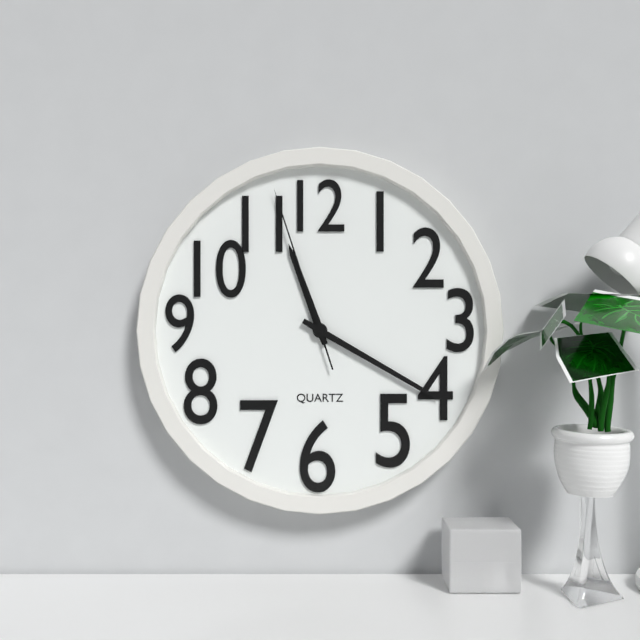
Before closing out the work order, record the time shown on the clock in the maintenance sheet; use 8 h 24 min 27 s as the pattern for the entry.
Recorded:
11 h 20 min 57 s
